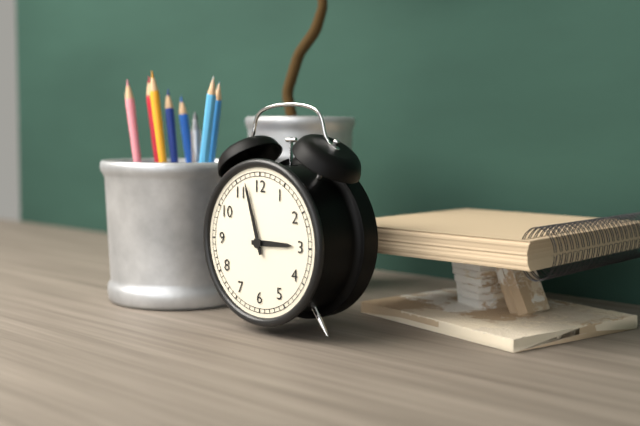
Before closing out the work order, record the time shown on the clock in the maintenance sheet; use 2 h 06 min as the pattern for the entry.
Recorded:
2 h 57 min
